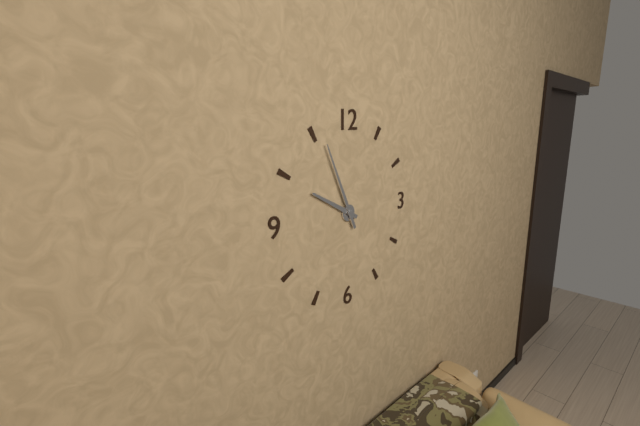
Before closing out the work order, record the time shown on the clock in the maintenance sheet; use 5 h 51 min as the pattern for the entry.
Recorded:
9 h 56 min
